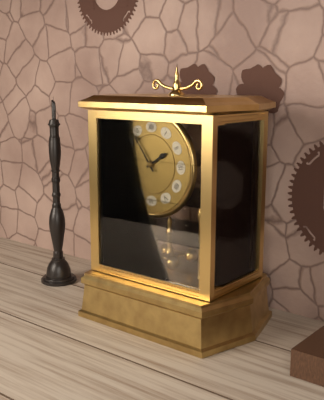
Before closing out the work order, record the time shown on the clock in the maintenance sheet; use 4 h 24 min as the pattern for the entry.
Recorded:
1 h 54 min
